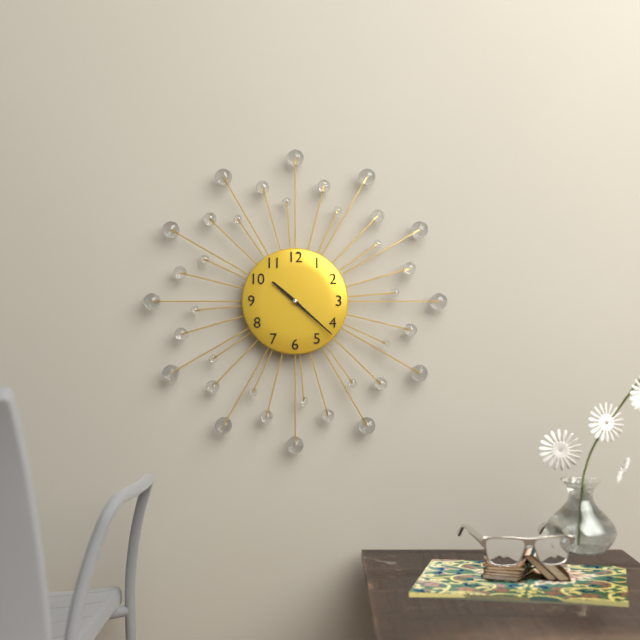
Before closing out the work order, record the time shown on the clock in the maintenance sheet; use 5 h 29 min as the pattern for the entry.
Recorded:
10 h 22 min
